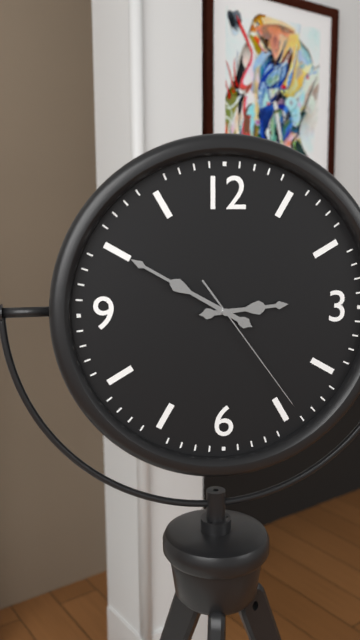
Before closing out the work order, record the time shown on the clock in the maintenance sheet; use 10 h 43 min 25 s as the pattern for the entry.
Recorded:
2 h 50 min 24 s
